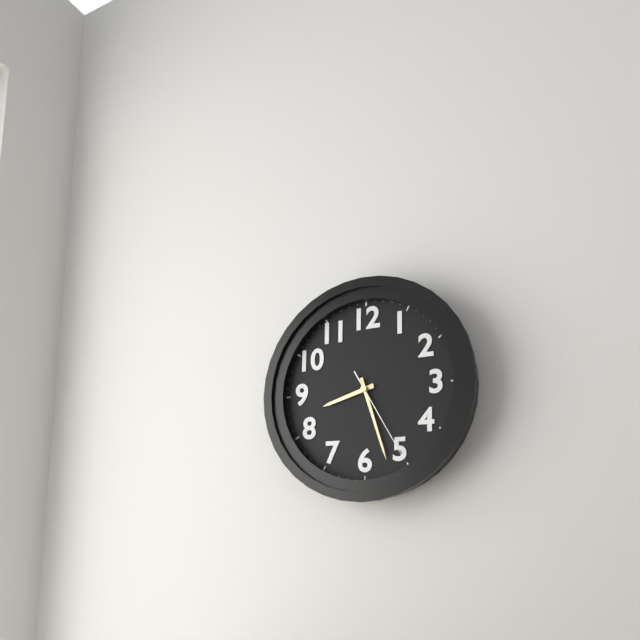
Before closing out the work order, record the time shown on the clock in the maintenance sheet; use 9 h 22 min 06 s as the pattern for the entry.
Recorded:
8 h 27 min 25 s
